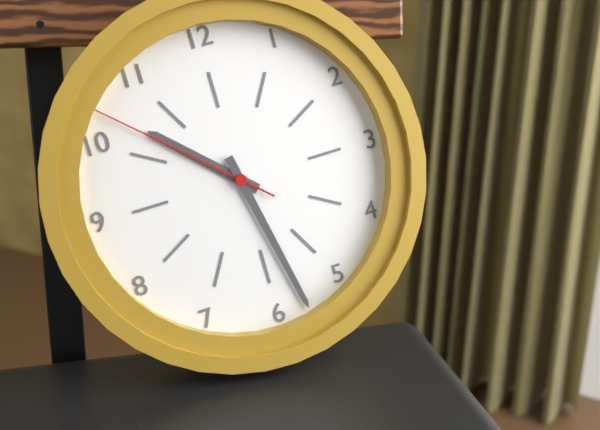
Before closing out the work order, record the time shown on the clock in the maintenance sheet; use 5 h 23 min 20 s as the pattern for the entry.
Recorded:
10 h 28 min 52 s
